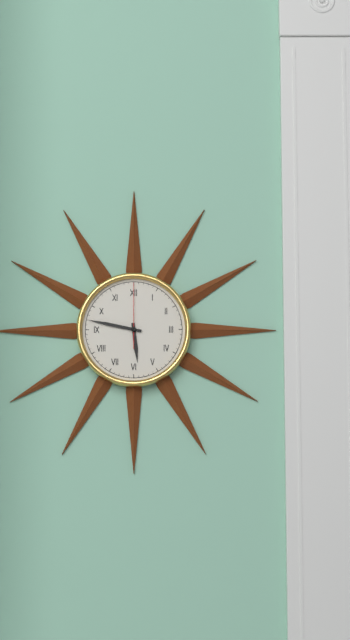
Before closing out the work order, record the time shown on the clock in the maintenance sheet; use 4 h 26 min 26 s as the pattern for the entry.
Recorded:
5 h 47 min 00 s
